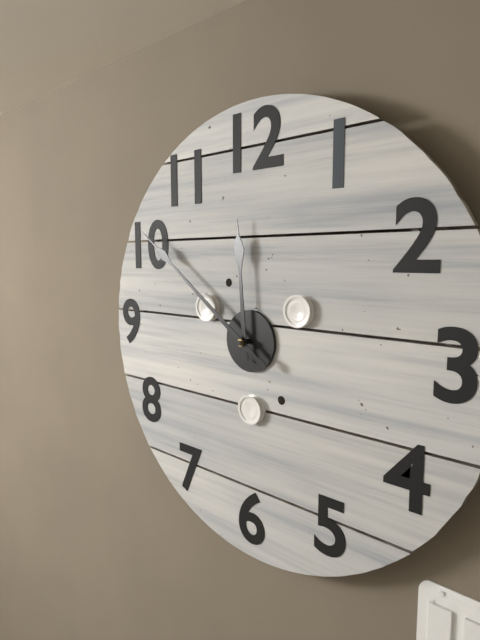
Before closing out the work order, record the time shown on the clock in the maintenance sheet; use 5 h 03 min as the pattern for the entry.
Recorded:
11 h 51 min
